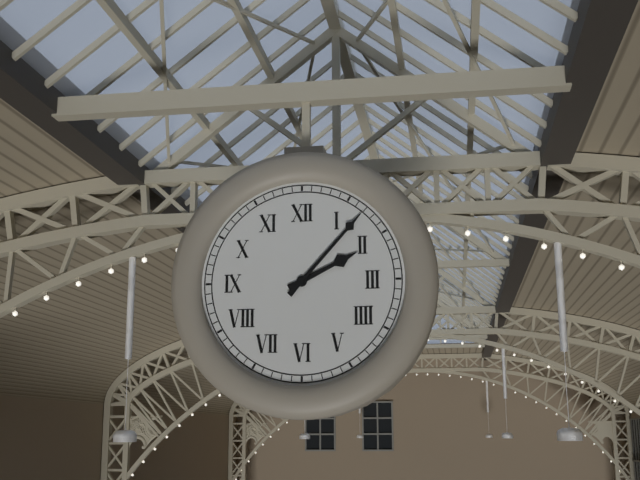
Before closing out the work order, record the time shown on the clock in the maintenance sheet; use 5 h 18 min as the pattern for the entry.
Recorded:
2 h 07 min
